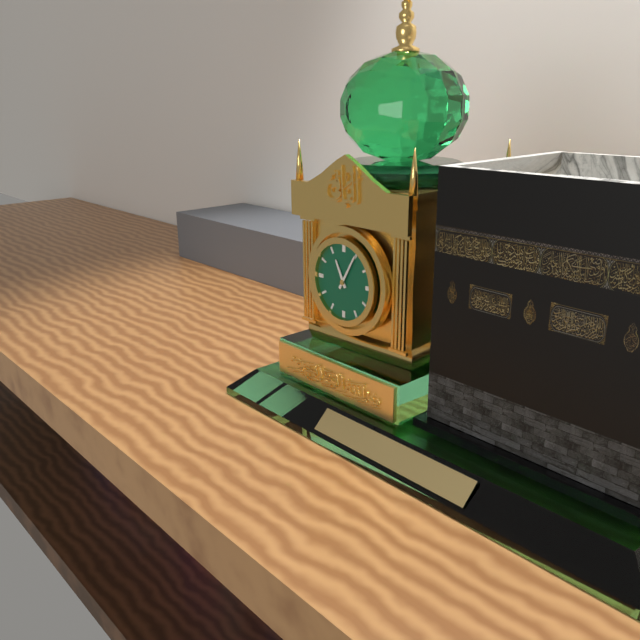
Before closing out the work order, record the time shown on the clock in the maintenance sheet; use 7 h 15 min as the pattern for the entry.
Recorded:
11 h 05 min
